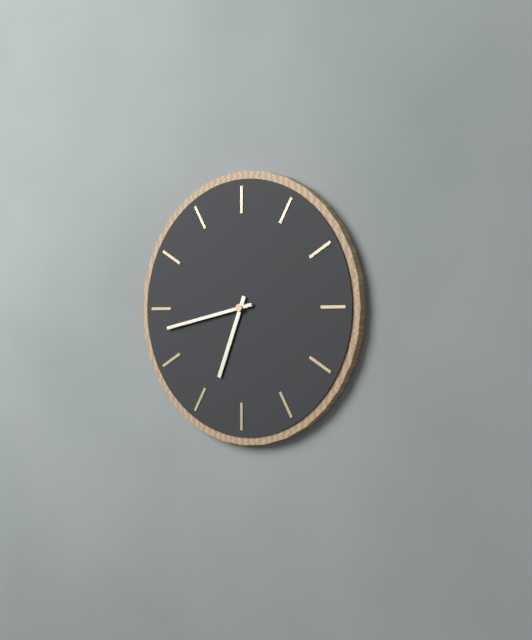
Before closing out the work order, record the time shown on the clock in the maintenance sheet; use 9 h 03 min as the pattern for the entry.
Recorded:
6 h 43 min
